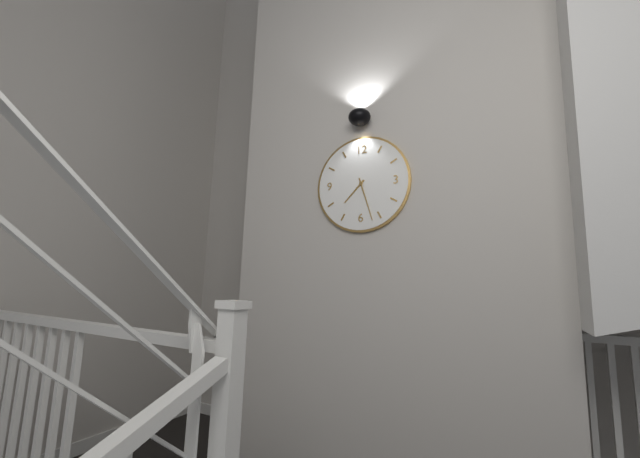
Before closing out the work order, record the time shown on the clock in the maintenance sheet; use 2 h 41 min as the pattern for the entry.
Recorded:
7 h 27 min
